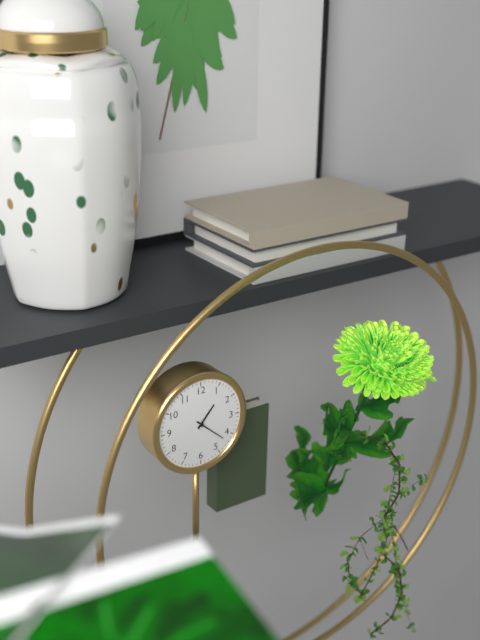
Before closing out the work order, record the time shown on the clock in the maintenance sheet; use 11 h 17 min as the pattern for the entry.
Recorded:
1 h 22 min
